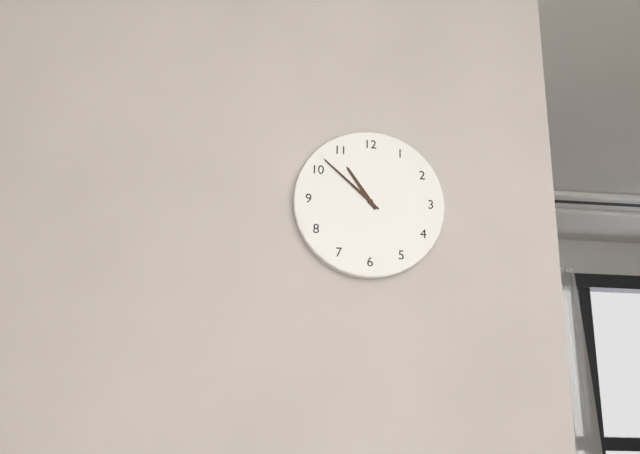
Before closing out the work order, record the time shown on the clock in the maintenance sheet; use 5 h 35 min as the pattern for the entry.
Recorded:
10 h 52 min
